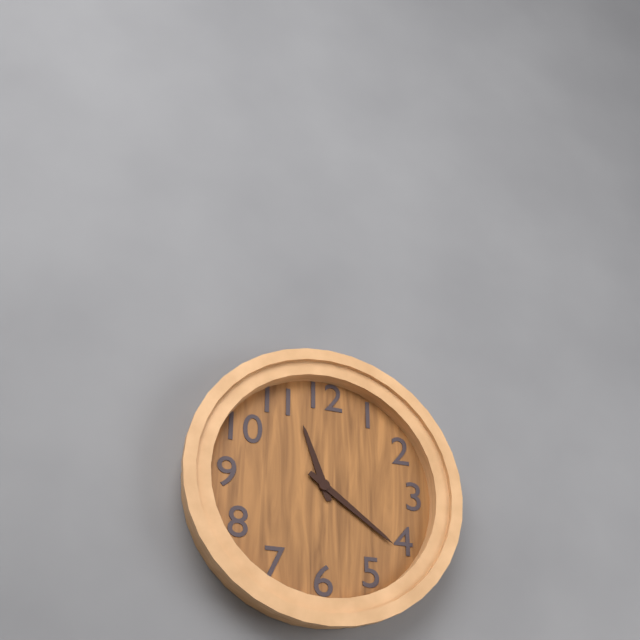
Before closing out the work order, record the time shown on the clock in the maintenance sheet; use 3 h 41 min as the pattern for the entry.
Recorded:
11 h 21 min
